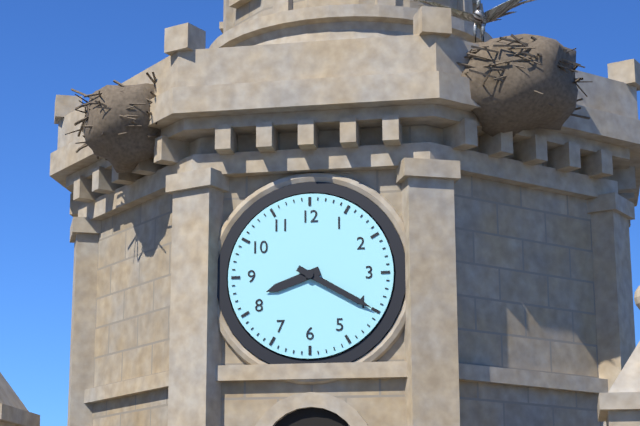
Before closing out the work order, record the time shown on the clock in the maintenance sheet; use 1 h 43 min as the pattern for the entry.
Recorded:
8 h 20 min
